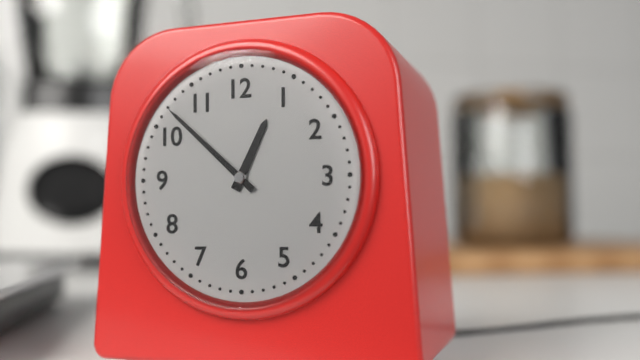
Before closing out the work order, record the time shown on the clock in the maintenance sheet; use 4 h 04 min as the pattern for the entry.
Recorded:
12 h 52 min
